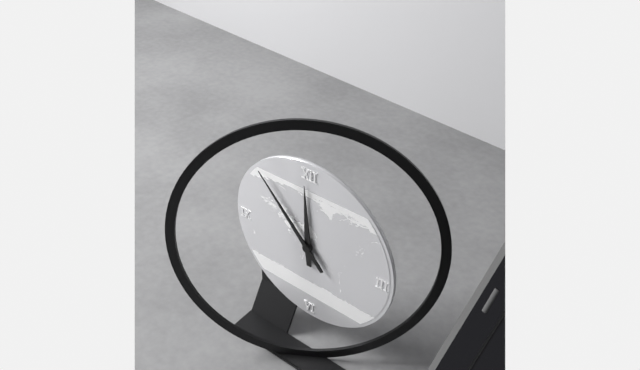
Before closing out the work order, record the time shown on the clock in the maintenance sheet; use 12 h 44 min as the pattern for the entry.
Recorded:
11 h 53 min
